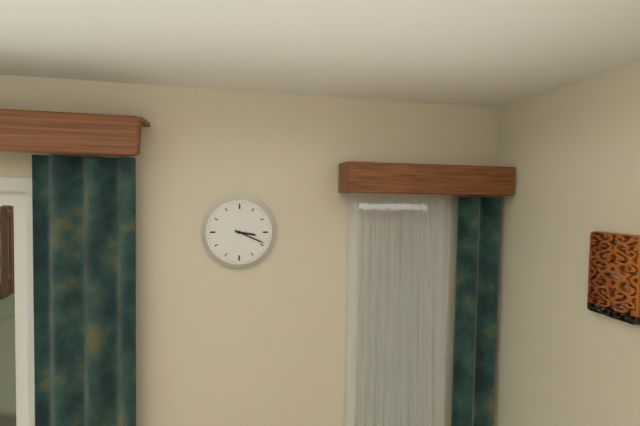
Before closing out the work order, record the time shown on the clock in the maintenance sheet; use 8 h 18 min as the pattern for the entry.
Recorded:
3 h 19 min
